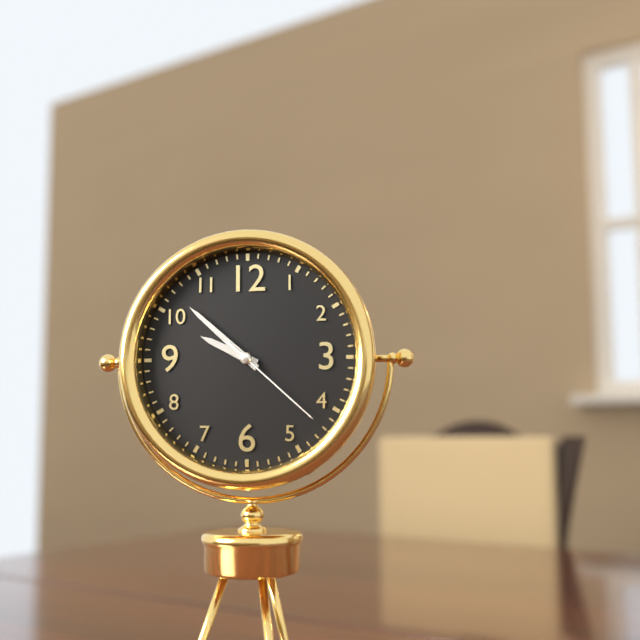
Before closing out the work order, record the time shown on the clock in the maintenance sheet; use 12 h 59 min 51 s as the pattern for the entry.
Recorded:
9 h 52 min 22 s
